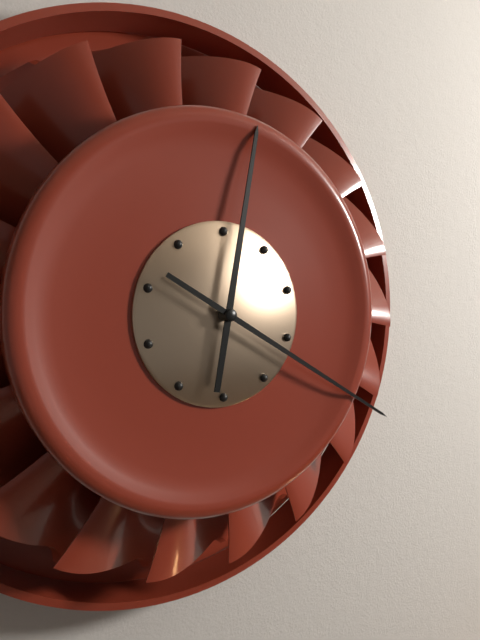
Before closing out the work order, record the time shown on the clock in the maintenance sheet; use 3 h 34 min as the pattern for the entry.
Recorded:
12 h 20 min
